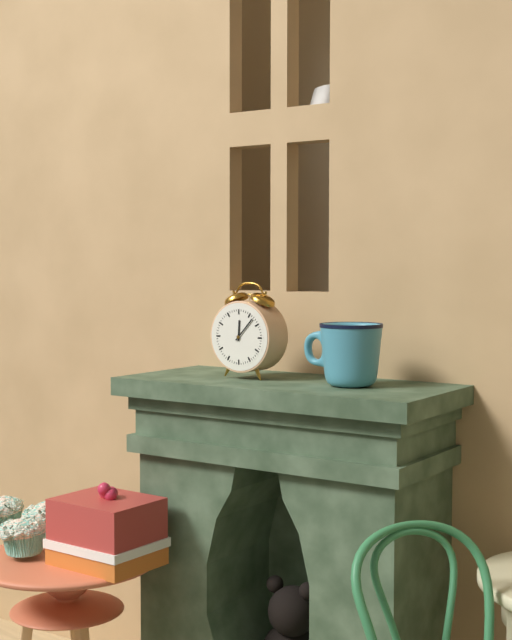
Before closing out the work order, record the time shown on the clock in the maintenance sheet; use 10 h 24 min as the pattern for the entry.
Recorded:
12 h 07 min
